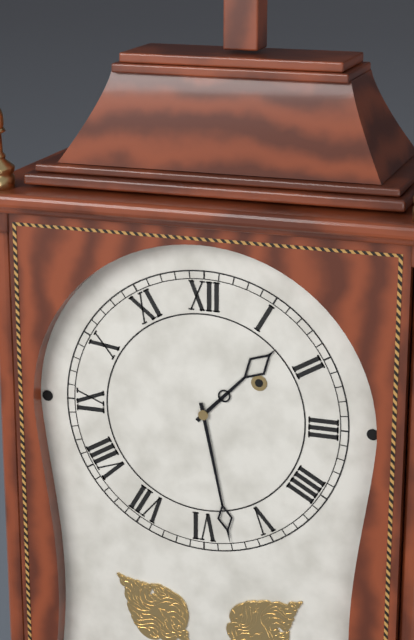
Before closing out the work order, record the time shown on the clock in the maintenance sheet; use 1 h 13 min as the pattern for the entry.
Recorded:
1 h 28 min
